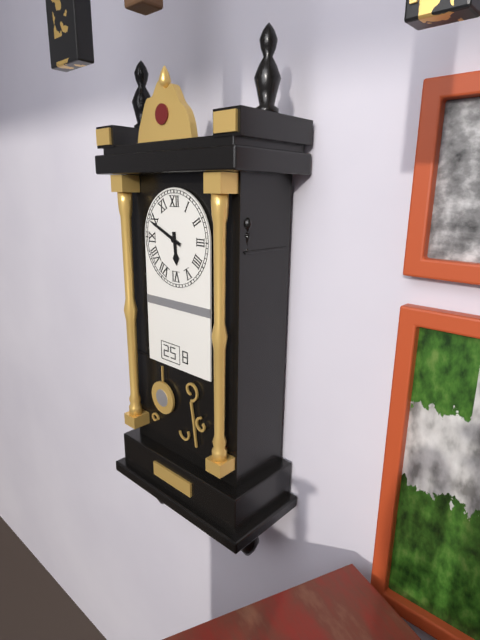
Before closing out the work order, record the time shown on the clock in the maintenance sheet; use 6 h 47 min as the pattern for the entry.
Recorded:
5 h 49 min
